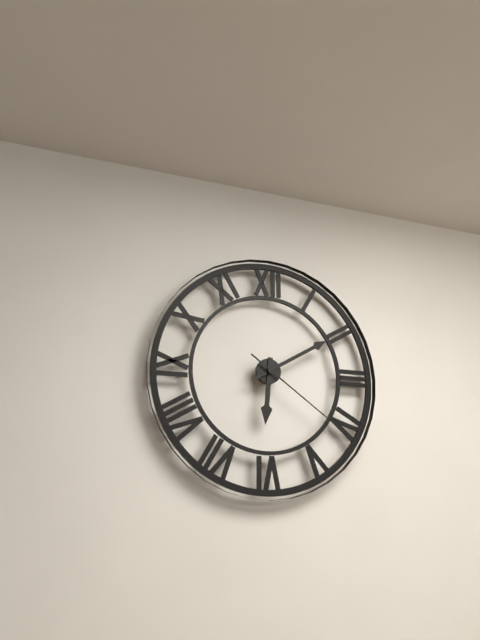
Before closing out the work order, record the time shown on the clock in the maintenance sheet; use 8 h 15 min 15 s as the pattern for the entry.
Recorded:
6 h 10 min 21 s
